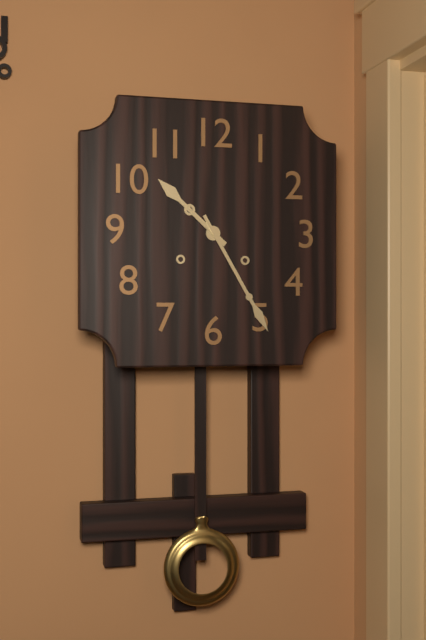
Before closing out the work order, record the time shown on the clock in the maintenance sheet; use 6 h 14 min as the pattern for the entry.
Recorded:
10 h 25 min
